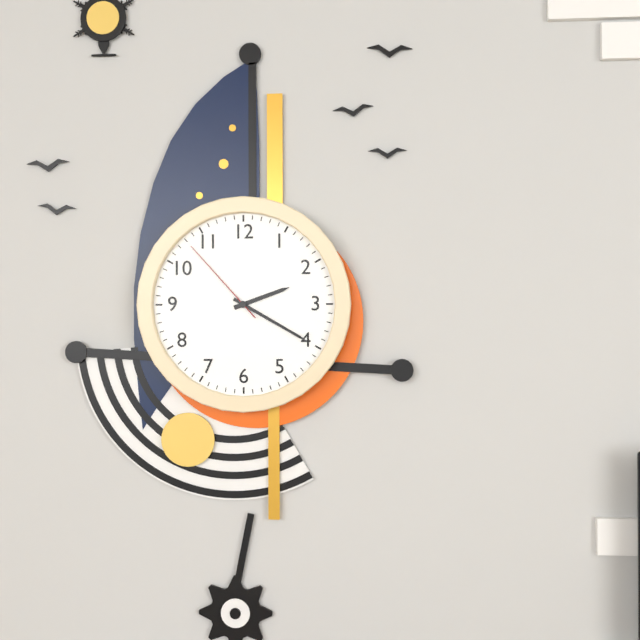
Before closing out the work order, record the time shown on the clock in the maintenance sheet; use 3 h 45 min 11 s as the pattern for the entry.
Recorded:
2 h 20 min 53 s
